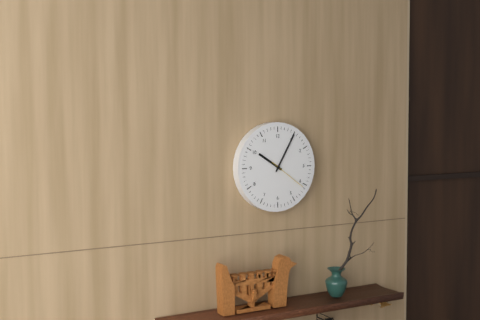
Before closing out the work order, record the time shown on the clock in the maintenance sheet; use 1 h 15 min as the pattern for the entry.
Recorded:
10 h 05 min
